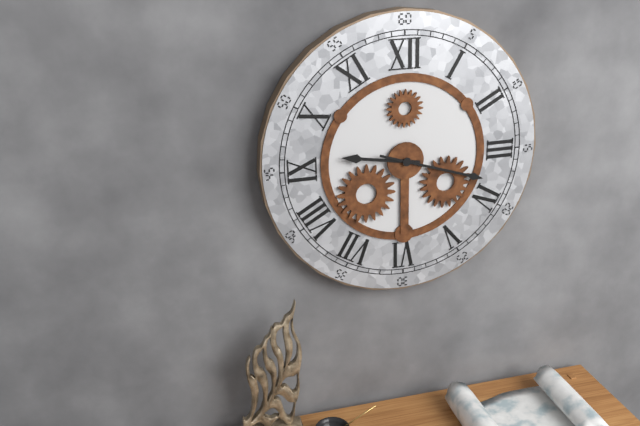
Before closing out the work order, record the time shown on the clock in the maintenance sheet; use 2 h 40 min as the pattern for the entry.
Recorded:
9 h 18 min
